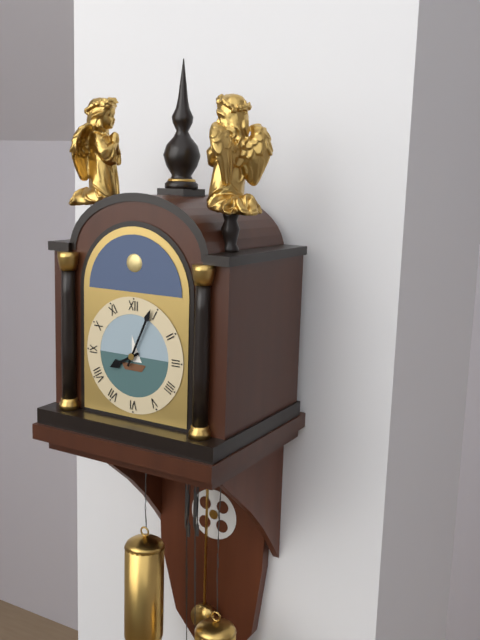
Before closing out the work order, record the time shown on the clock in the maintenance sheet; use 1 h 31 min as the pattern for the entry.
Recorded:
8 h 04 min
